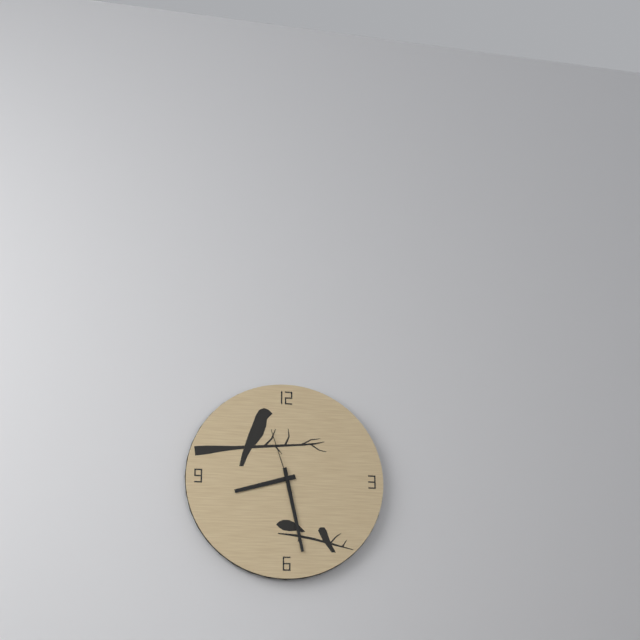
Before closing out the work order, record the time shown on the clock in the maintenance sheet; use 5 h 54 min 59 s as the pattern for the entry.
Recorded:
8 h 28 min 57 s
